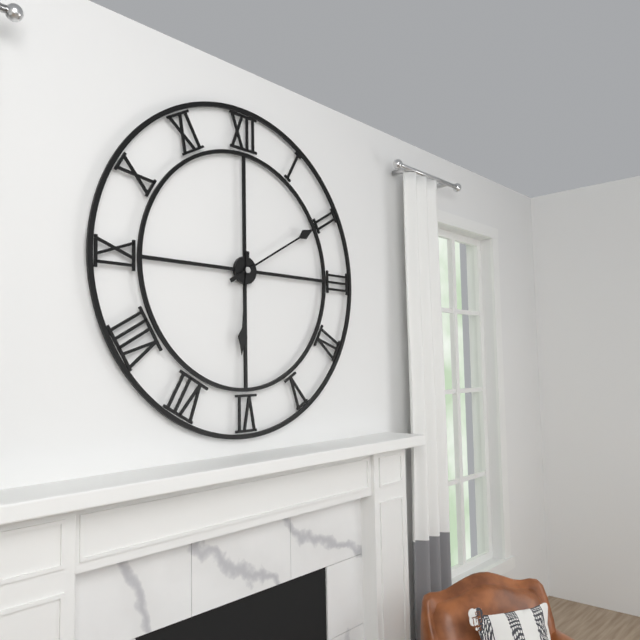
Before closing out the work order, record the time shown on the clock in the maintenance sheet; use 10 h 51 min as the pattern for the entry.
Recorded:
6 h 10 min
